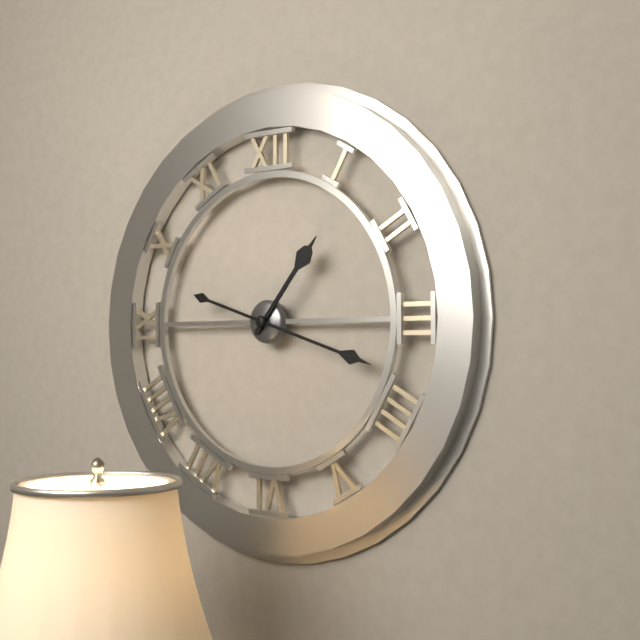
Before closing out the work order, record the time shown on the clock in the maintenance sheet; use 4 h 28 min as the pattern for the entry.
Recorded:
1 h 18 min
